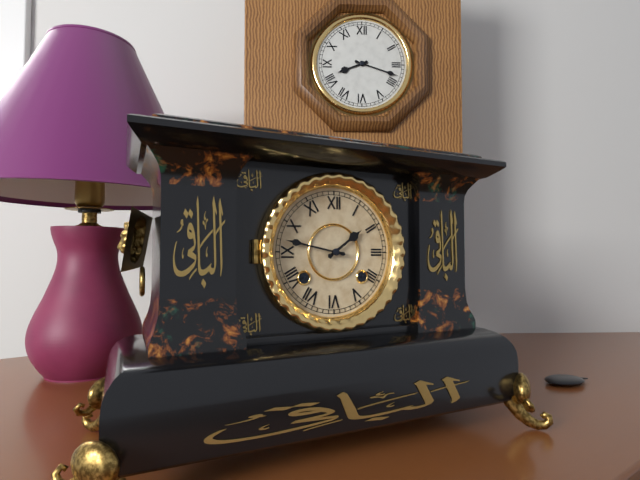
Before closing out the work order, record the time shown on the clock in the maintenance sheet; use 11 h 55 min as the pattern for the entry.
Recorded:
1 h 47 min
